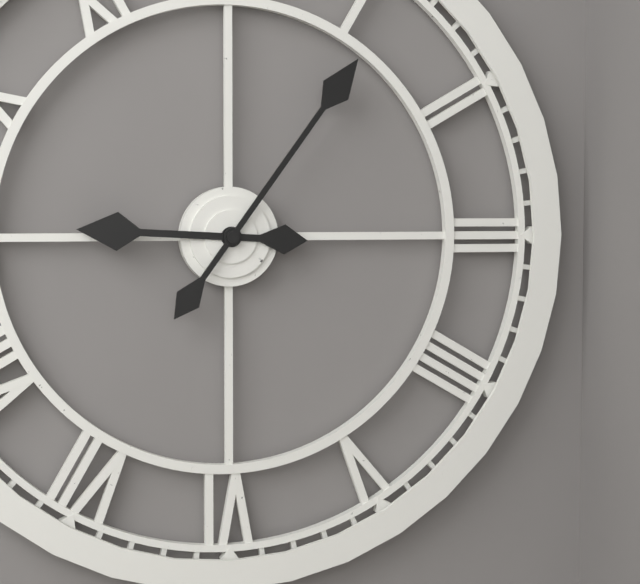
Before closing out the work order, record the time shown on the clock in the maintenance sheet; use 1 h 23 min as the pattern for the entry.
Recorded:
9 h 06 min
